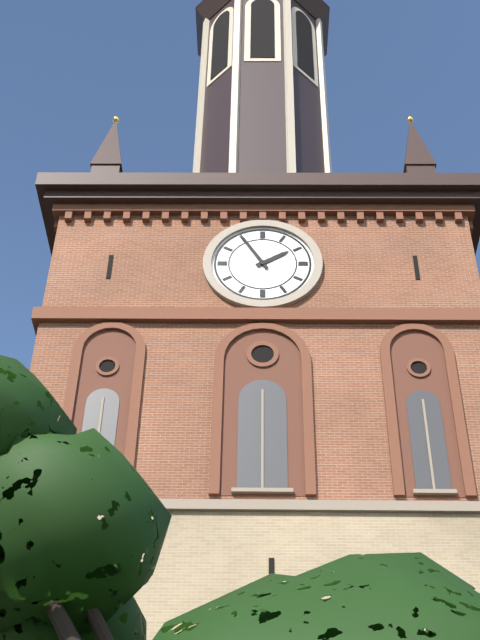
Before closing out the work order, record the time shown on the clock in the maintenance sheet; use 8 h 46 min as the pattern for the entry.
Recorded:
1 h 55 min
